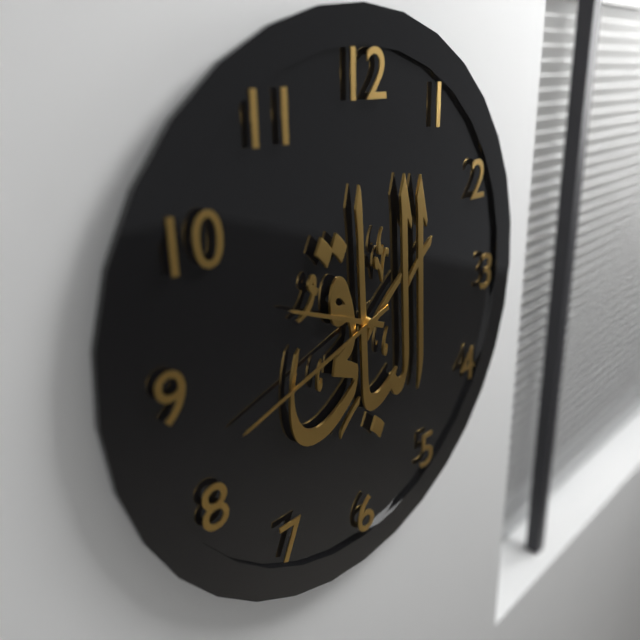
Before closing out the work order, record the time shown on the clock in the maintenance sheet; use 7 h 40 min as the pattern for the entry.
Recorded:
9 h 42 min
